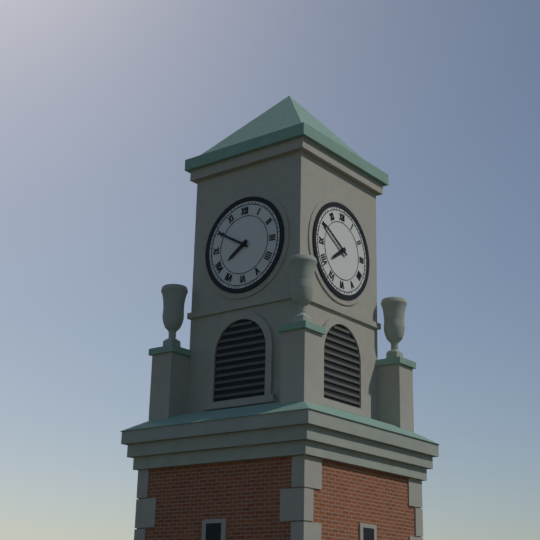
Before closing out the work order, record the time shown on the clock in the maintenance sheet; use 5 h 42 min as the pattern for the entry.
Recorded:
7 h 50 min
